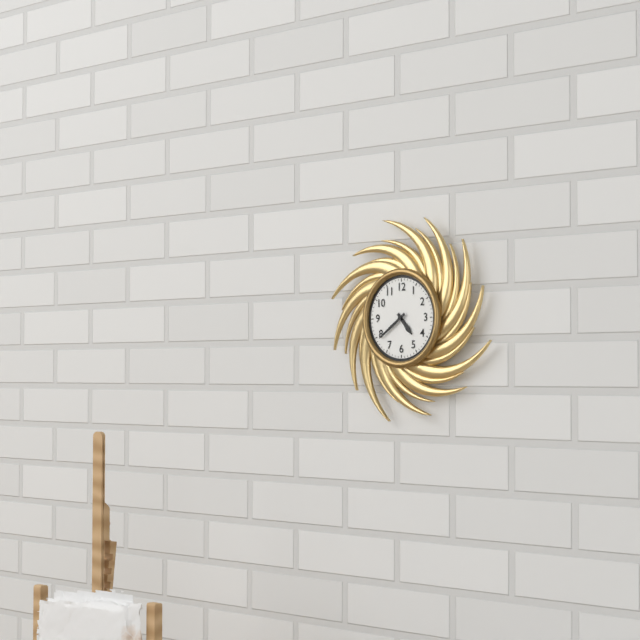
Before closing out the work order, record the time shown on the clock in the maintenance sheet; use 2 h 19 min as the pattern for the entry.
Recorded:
4 h 39 min
